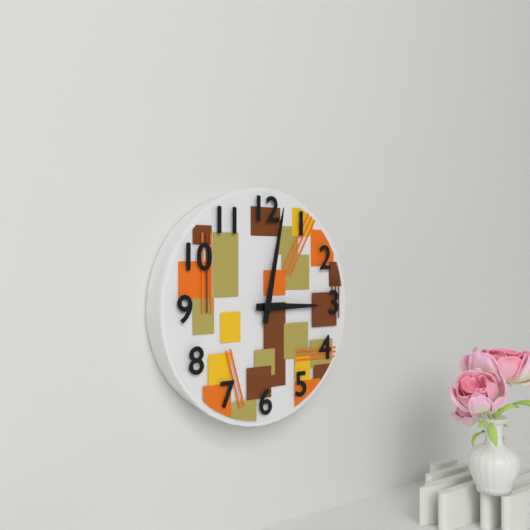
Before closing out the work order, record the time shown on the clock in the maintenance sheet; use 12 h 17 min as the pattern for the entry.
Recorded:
3 h 02 min
